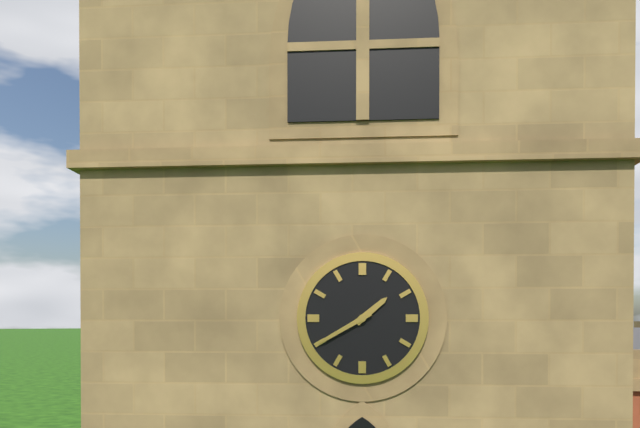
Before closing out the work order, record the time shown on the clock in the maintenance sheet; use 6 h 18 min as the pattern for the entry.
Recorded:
1 h 40 min
